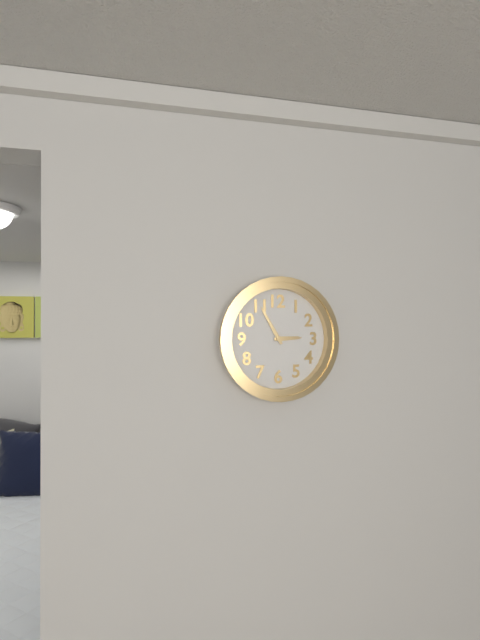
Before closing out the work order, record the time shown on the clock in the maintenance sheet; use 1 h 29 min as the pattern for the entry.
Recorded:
2 h 55 min
